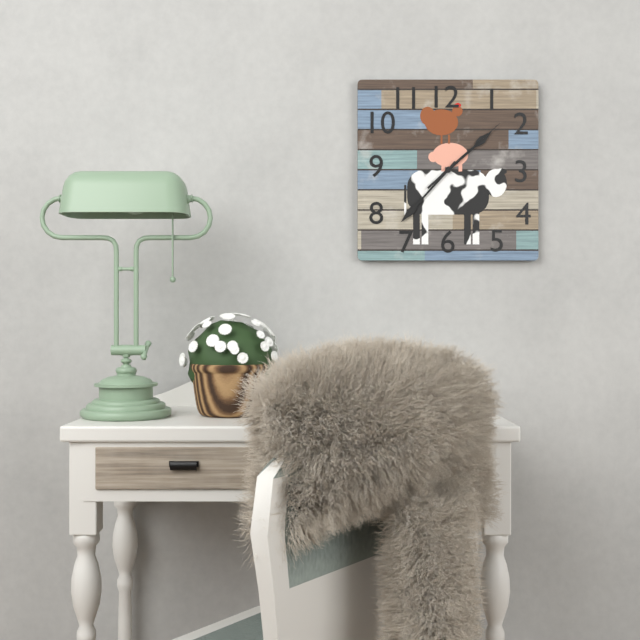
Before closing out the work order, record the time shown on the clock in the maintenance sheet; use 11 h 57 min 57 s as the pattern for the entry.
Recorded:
1 h 37 min 08 s
